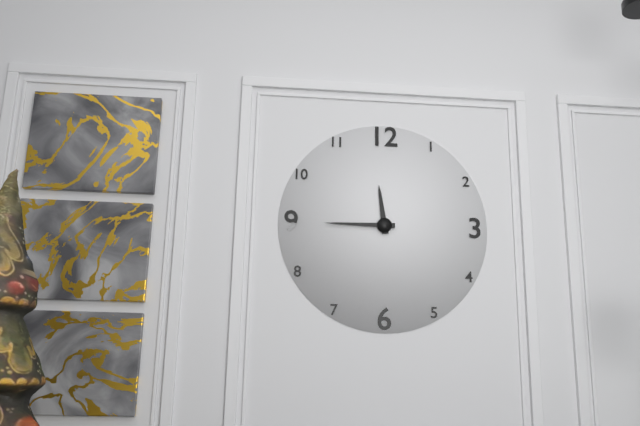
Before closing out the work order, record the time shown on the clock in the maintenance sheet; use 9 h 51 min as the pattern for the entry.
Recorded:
11 h 45 min
